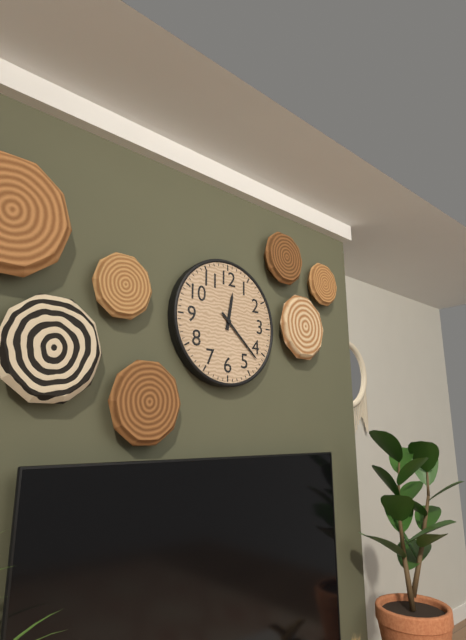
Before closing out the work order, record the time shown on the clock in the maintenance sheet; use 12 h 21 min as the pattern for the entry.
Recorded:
12 h 22 min
